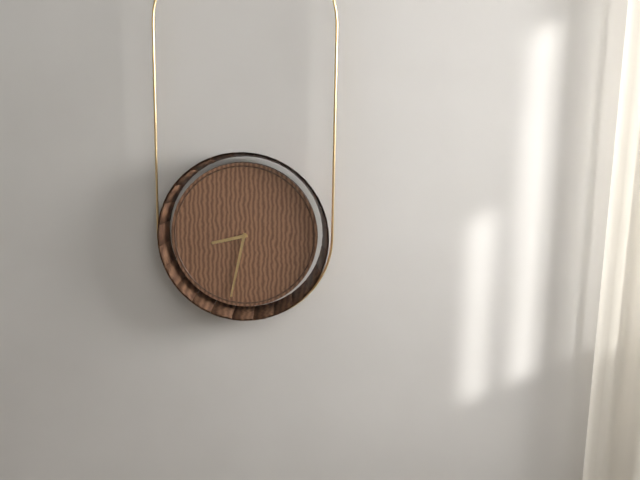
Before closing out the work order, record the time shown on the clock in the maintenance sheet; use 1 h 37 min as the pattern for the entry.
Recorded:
8 h 32 min
